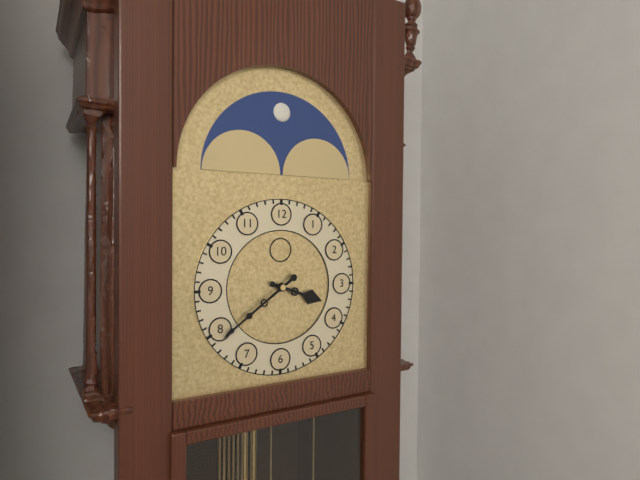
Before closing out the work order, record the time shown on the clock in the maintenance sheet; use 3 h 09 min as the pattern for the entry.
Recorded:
3 h 39 min
